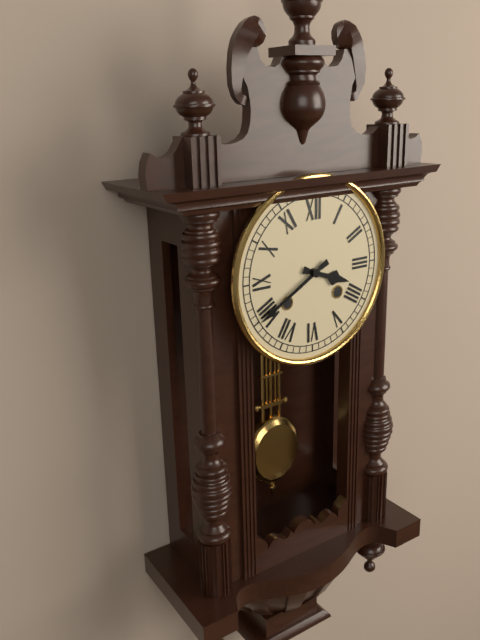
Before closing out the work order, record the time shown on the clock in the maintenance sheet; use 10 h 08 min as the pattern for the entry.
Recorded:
3 h 40 min
